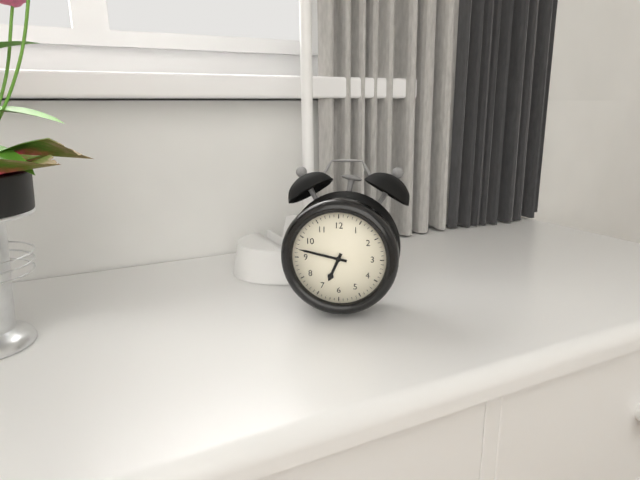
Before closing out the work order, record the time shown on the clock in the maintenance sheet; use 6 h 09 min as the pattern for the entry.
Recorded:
6 h 47 min
